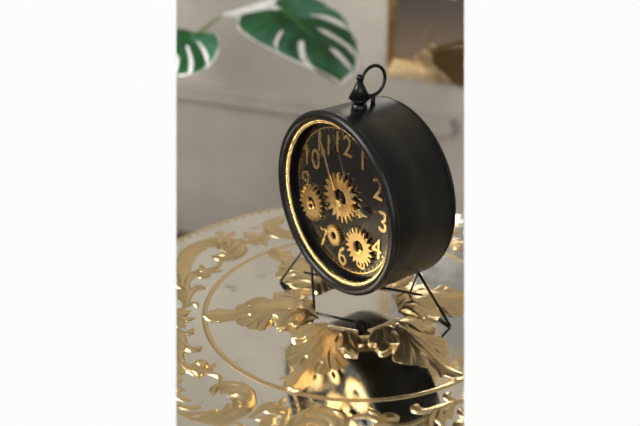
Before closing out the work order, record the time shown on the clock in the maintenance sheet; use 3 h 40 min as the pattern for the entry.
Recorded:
2 h 56 min
